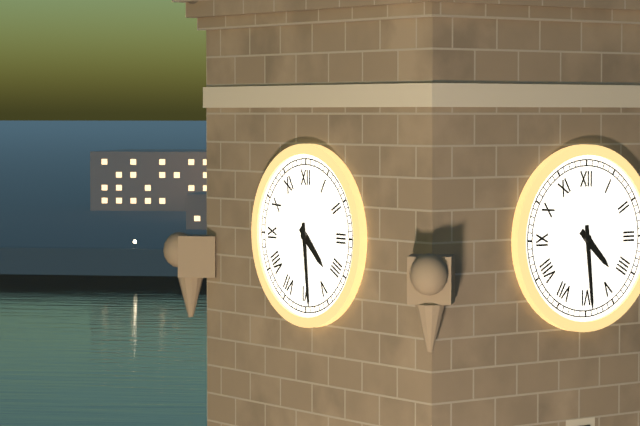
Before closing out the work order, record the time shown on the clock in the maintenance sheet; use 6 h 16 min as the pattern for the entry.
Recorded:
4 h 29 min
